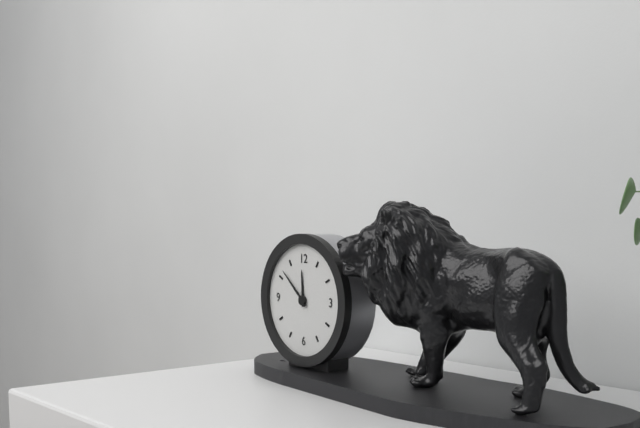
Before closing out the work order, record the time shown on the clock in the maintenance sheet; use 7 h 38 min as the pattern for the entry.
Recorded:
11 h 52 min
